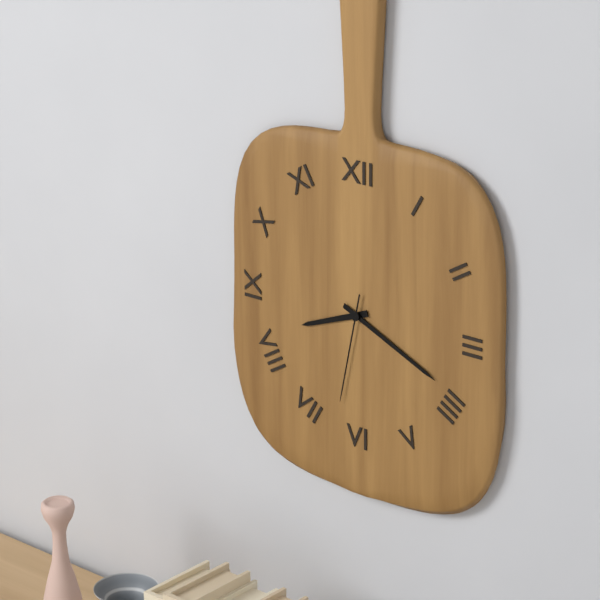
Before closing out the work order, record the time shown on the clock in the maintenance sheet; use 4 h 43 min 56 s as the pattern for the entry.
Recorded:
8 h 19 min 32 s
